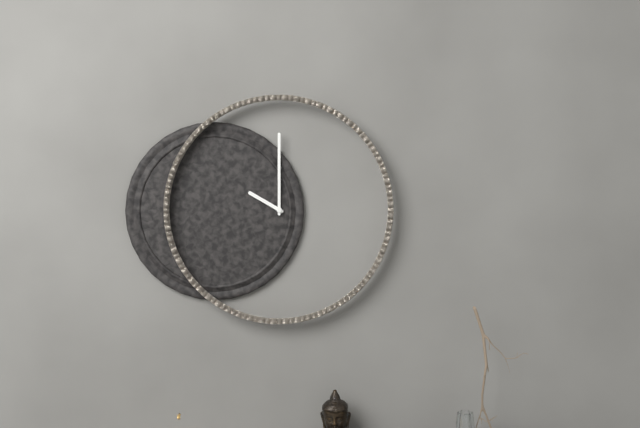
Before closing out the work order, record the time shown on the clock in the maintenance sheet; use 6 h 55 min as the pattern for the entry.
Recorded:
10 h 00 min
